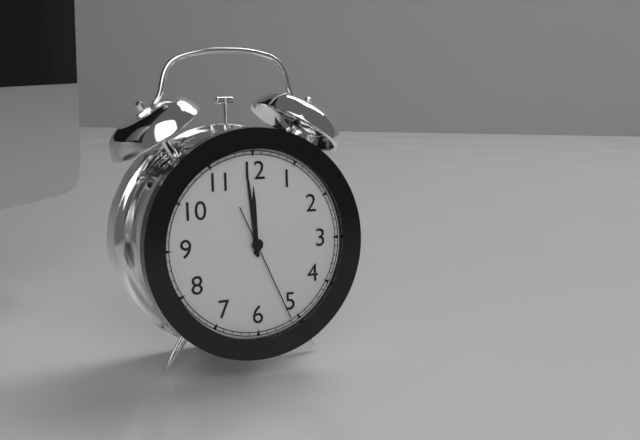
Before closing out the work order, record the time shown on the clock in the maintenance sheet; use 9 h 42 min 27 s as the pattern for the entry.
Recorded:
11 h 59 min 26 s
